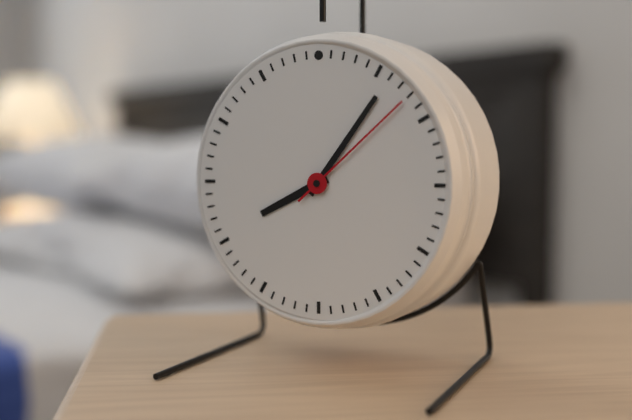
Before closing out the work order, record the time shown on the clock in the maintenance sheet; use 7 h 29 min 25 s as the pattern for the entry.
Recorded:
8 h 06 min 08 s
